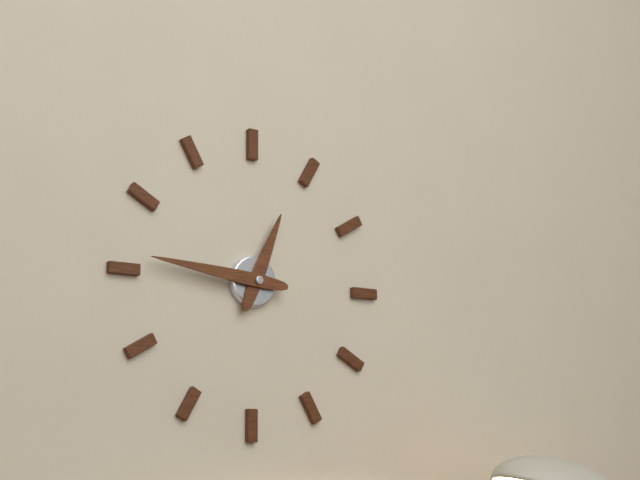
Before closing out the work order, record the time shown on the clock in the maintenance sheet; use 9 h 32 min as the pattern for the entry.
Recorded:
12 h 46 min
